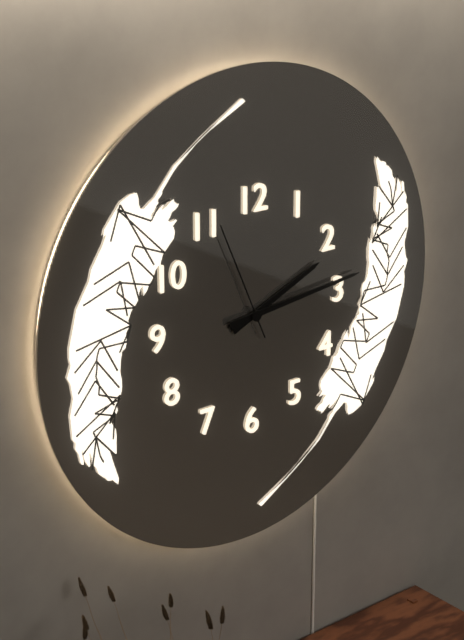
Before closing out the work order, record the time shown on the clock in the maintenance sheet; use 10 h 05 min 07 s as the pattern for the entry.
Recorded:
2 h 14 min 56 s
